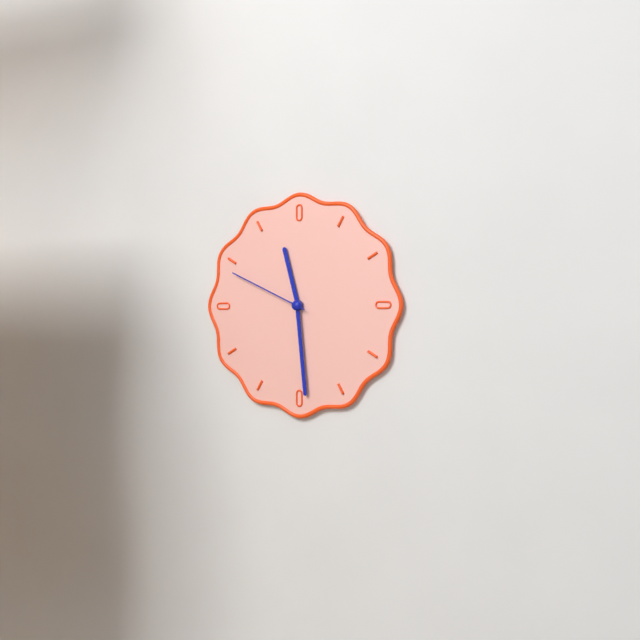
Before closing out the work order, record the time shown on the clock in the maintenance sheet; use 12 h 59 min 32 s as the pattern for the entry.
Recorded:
11 h 29 min 49 s
